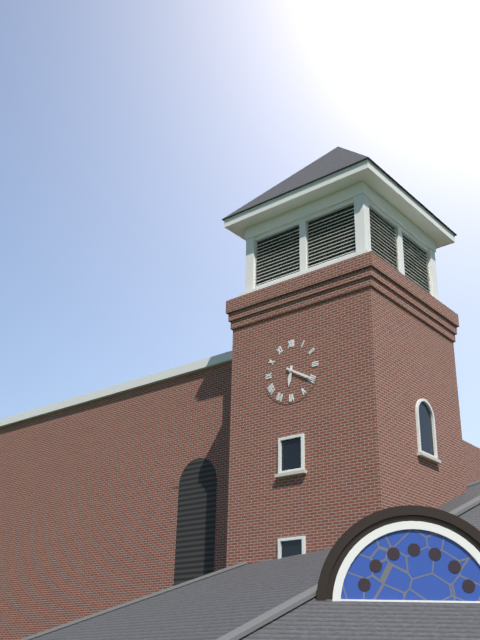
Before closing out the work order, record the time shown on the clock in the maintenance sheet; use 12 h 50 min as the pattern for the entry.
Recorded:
6 h 20 min
